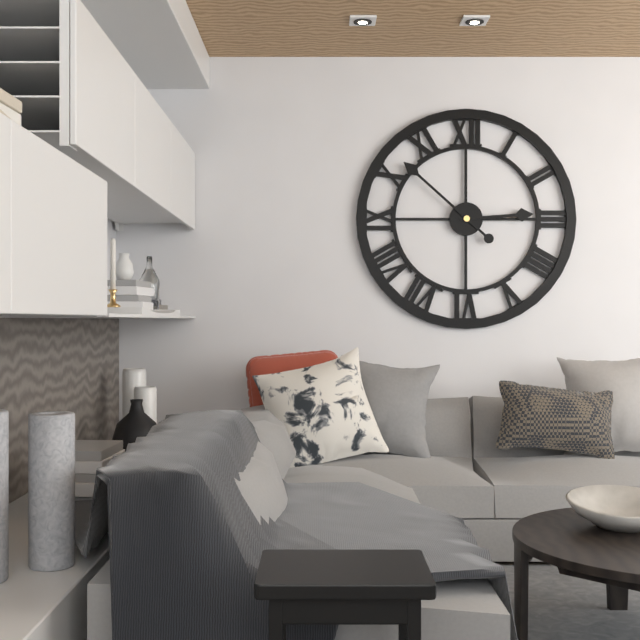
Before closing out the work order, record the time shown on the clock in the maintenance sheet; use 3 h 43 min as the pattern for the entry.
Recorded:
2 h 52 min
